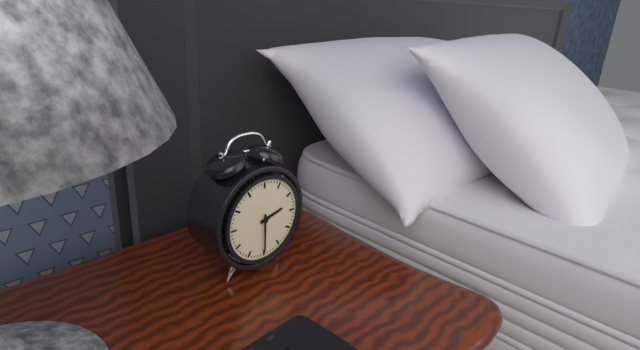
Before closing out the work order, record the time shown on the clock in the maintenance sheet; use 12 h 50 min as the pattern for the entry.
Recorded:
2 h 30 min
